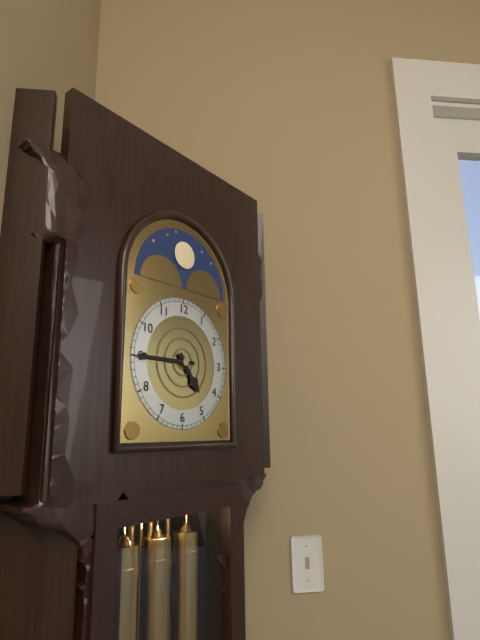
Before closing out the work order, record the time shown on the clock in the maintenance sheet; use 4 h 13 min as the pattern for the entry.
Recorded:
4 h 45 min
